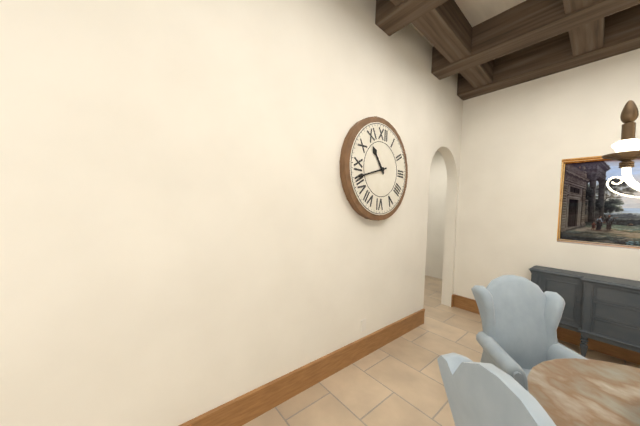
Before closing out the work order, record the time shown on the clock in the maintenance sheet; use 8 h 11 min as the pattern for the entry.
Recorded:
10 h 42 min
